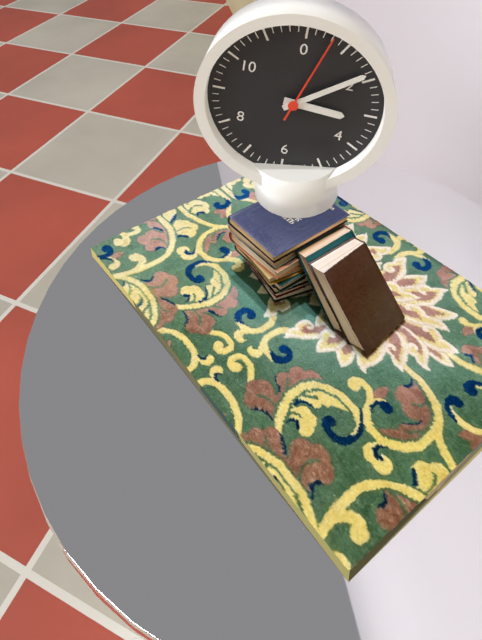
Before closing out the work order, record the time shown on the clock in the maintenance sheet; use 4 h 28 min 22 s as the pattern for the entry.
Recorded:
3 h 09 min 03 s
